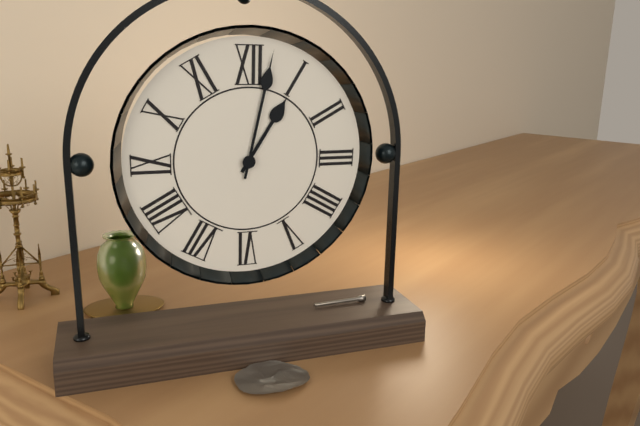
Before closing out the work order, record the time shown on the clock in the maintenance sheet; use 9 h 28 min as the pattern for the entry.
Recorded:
1 h 02 min
